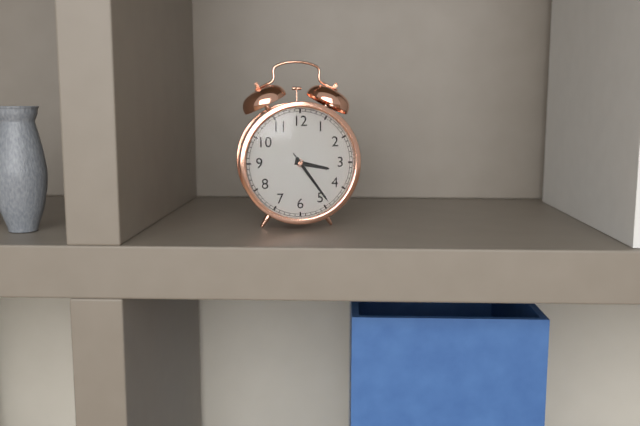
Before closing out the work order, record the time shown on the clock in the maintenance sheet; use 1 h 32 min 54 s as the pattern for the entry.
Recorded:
3 h 24 min 24 s
